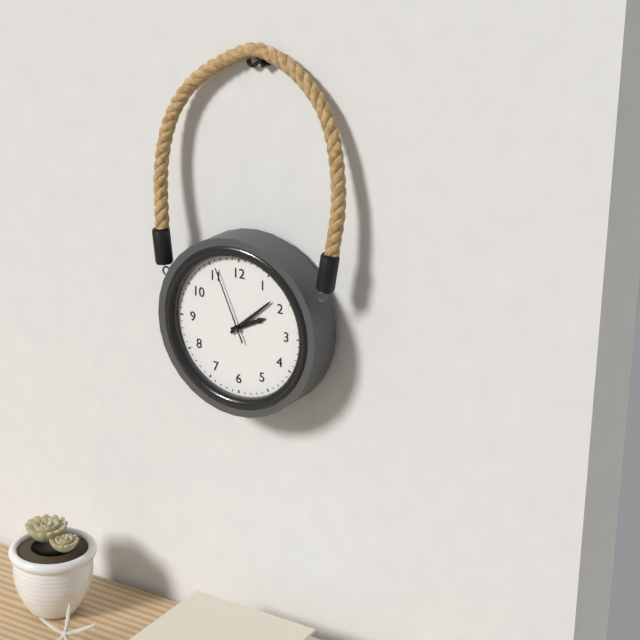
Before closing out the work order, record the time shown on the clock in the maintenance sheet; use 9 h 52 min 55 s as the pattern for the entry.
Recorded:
2 h 08 min 56 s
